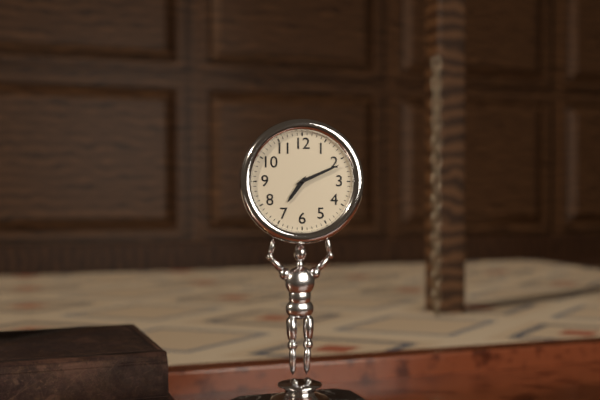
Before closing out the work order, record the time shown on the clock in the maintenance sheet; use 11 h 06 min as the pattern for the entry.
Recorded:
7 h 11 min
